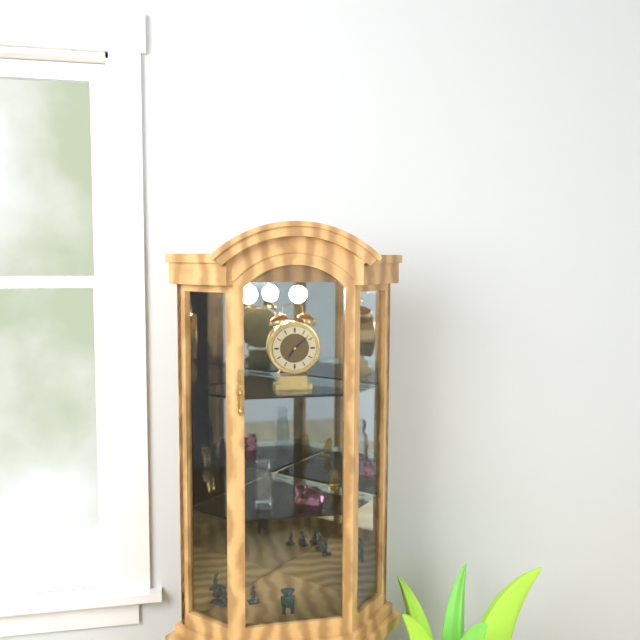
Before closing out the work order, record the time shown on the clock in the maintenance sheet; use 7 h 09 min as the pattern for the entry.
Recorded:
7 h 08 min
